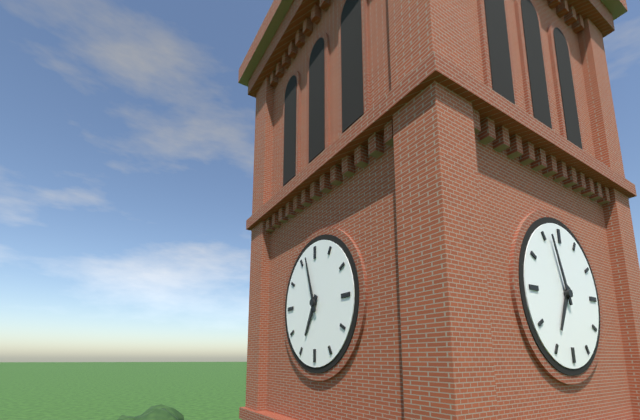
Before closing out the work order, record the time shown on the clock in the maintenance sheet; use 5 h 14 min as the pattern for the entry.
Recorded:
6 h 57 min
